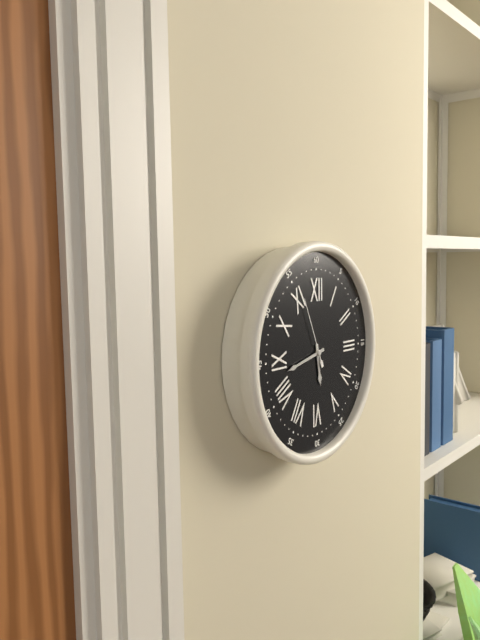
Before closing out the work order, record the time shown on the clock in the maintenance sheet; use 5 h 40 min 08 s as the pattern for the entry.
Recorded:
5 h 43 min 56 s
